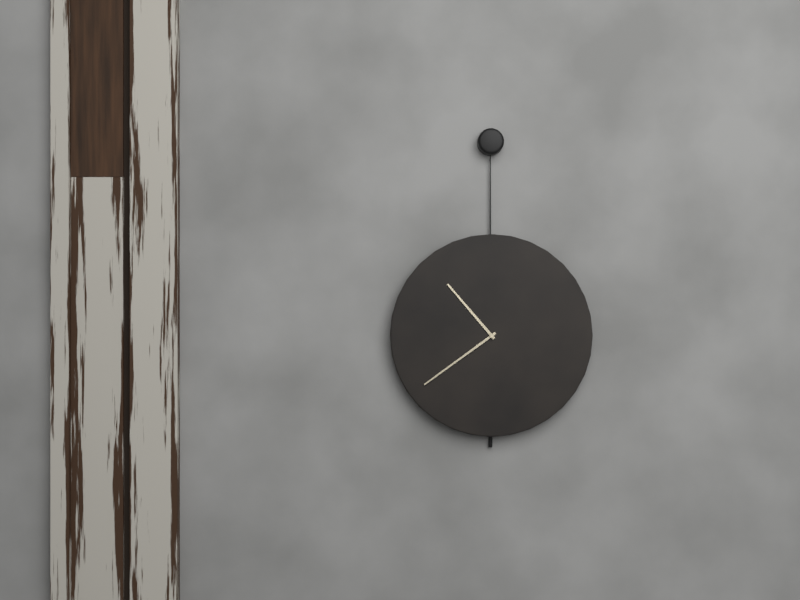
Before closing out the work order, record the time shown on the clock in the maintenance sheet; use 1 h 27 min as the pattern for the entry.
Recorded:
10 h 39 min
